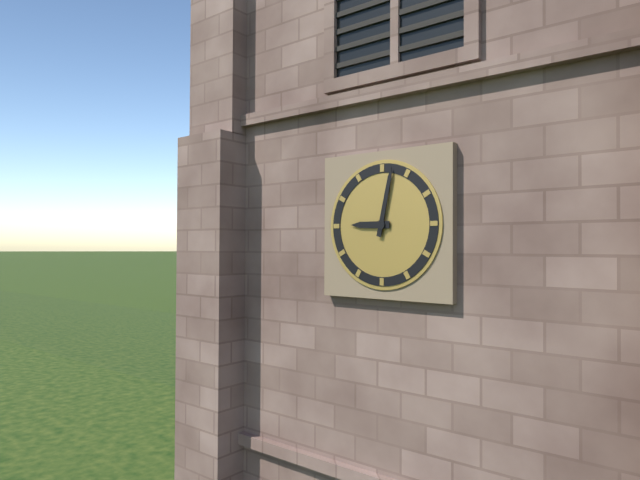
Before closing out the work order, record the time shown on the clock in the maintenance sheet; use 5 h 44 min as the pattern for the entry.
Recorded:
9 h 02 min
